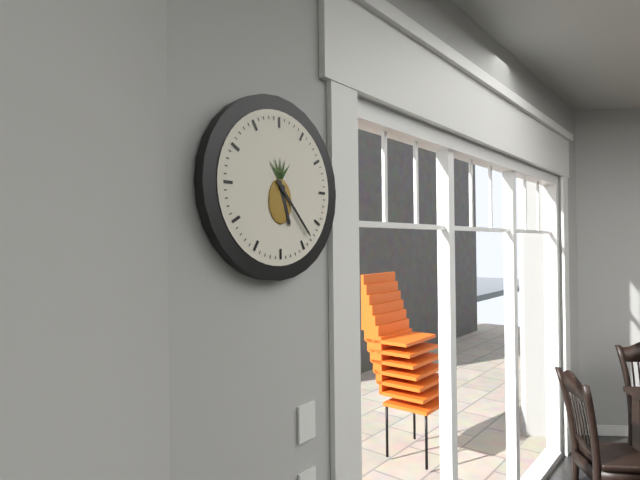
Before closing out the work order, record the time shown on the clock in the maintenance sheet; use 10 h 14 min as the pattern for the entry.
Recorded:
5 h 23 min
